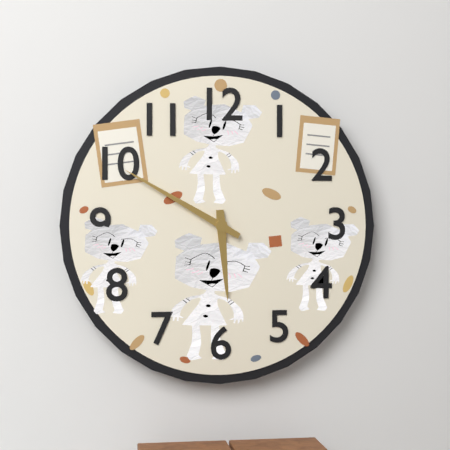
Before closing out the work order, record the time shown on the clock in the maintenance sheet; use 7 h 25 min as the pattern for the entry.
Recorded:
5 h 50 min
